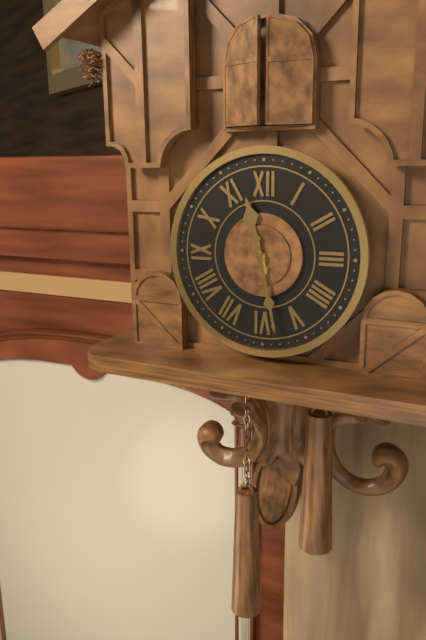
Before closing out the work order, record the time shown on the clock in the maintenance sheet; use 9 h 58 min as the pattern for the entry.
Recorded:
11 h 28 min
